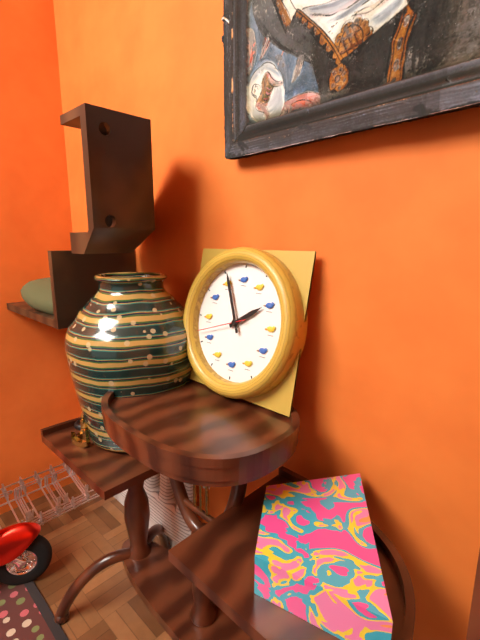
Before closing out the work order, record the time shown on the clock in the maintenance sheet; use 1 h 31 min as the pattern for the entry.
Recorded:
1 h 56 min
